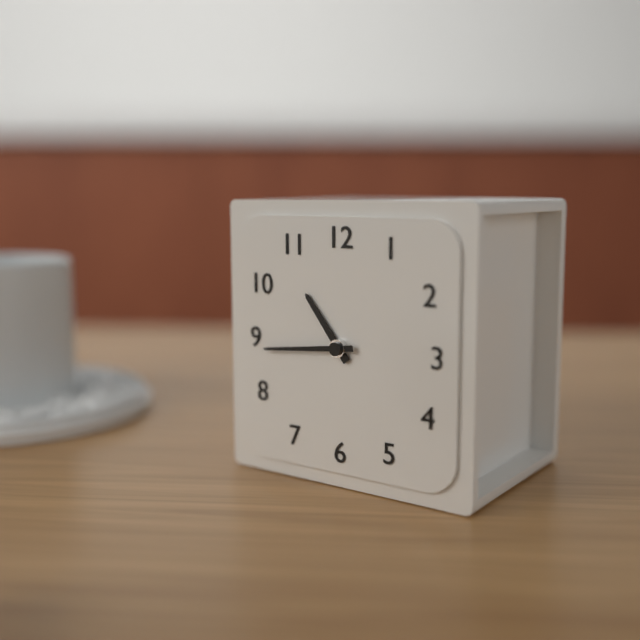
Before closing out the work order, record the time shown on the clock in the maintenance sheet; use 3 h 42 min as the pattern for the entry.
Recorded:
10 h 44 min
